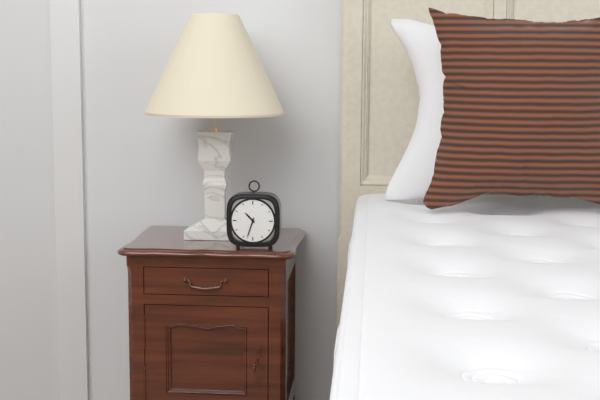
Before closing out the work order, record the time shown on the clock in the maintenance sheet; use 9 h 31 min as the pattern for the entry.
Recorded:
10 h 33 min
